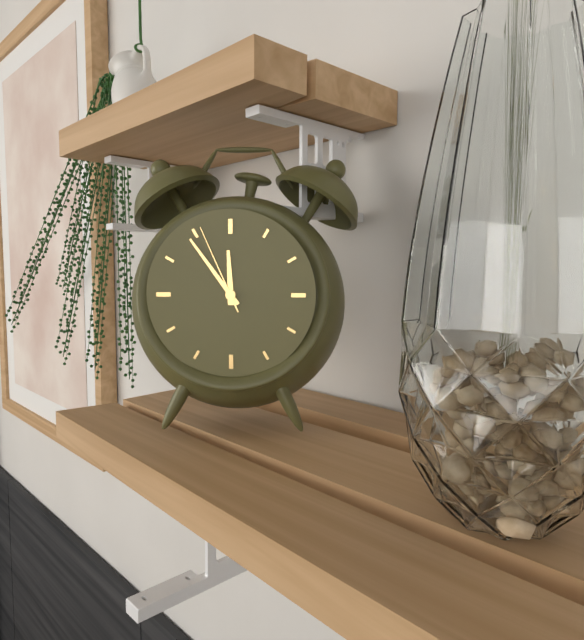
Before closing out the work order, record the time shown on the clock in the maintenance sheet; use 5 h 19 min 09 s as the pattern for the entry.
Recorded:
11 h 54 min 56 s
